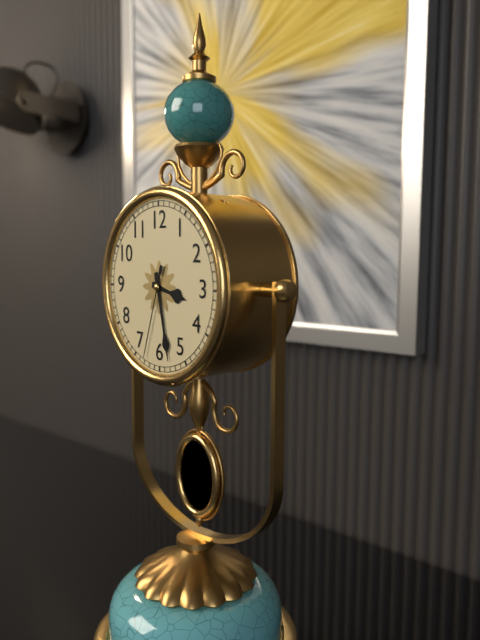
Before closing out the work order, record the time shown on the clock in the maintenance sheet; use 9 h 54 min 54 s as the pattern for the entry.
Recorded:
3 h 28 min 33 s
